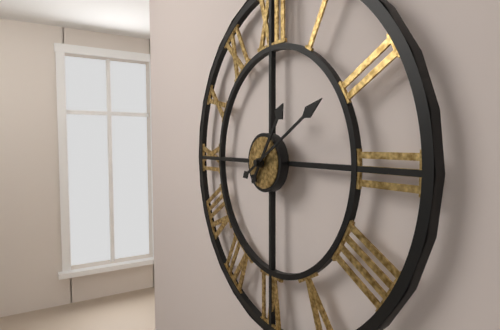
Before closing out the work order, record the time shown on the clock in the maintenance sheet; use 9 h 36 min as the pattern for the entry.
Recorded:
1 h 10 min
